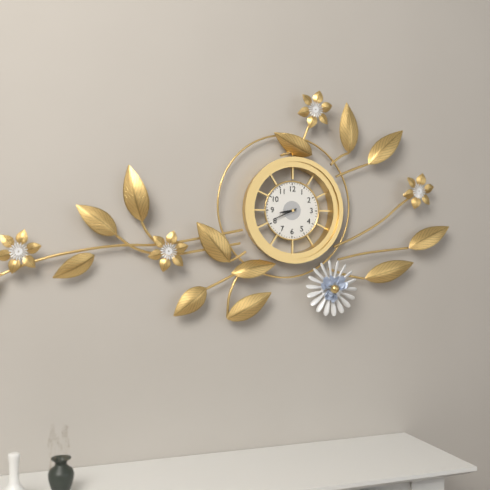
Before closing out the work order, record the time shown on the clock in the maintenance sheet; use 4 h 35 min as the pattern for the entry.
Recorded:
8 h 41 min
